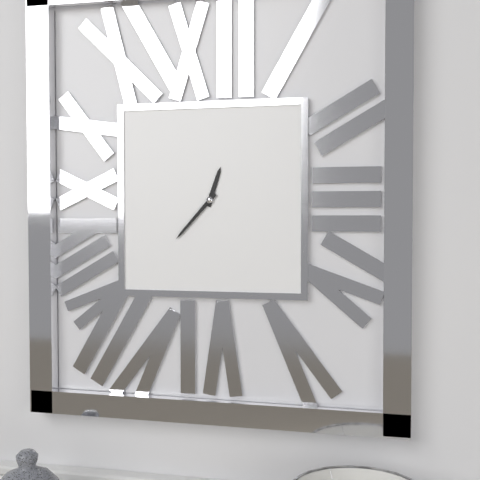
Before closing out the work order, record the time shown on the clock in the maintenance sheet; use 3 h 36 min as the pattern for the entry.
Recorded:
12 h 37 min
